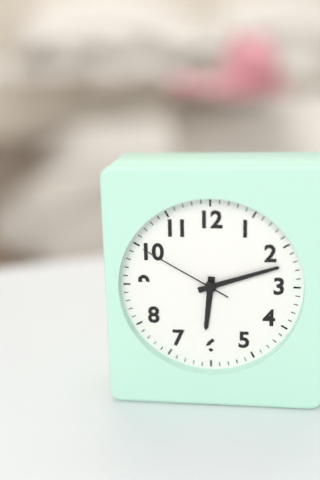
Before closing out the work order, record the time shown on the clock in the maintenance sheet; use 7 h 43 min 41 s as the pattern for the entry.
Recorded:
6 h 12 min 50 s
